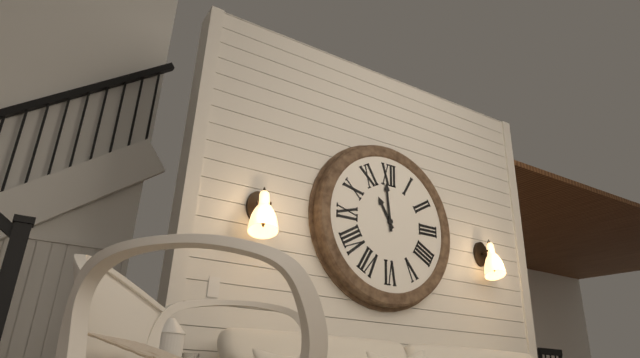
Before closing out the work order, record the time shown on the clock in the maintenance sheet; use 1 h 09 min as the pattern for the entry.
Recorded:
10 h 59 min
